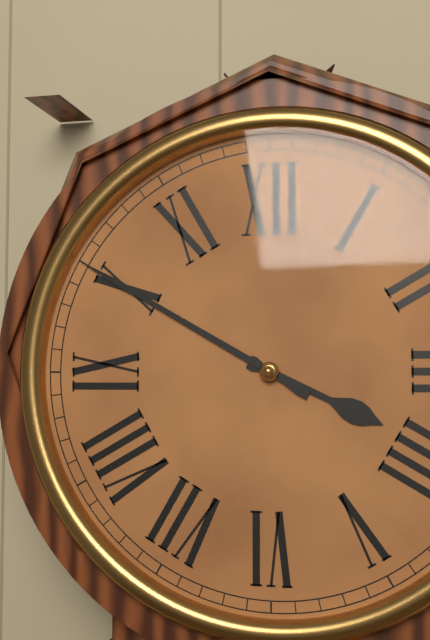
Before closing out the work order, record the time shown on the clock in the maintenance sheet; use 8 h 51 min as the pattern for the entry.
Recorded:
3 h 50 min
